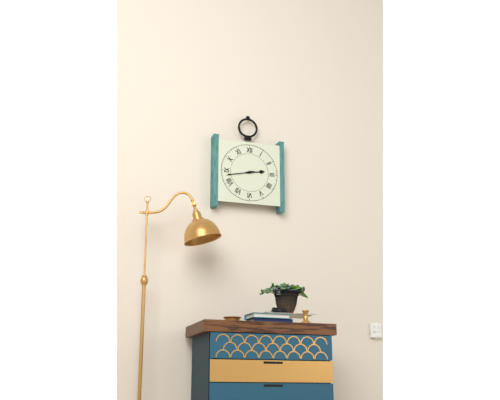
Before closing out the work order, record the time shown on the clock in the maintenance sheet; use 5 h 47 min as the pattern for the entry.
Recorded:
2 h 43 min
